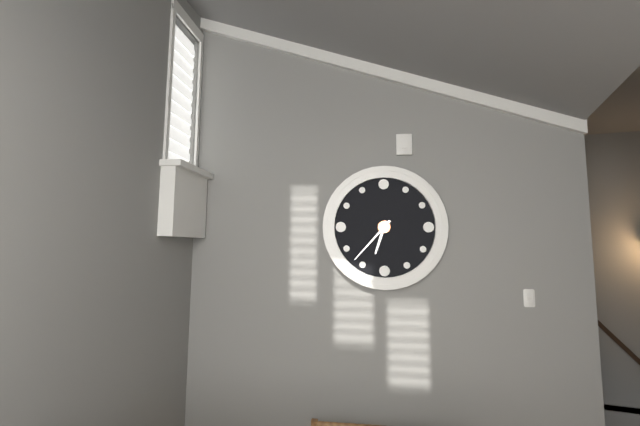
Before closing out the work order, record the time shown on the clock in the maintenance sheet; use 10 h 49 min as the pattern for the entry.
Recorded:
6 h 37 min
